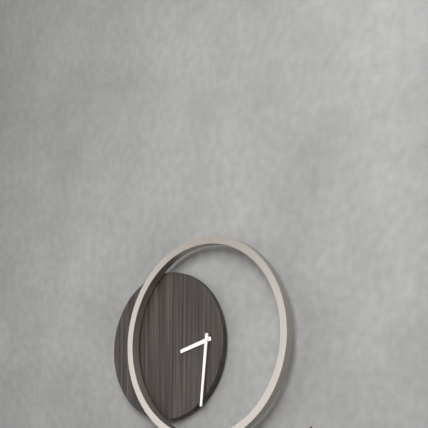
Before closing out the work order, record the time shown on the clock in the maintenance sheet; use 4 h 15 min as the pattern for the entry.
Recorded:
8 h 31 min
